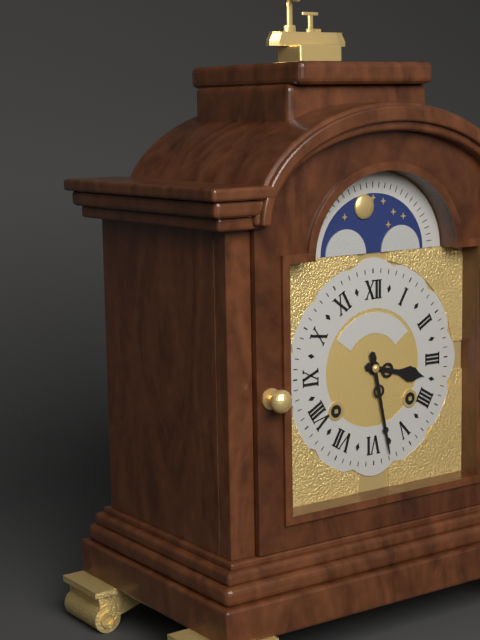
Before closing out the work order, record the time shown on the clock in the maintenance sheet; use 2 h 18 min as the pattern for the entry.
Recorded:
3 h 28 min
